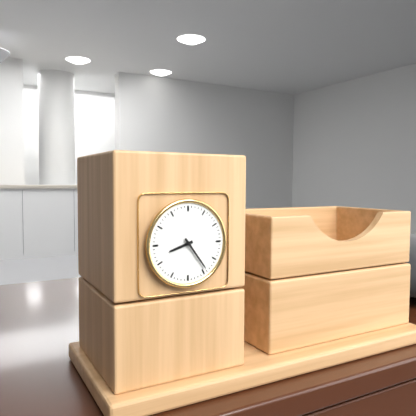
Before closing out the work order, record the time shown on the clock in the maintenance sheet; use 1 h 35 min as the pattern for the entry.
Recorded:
8 h 24 min
